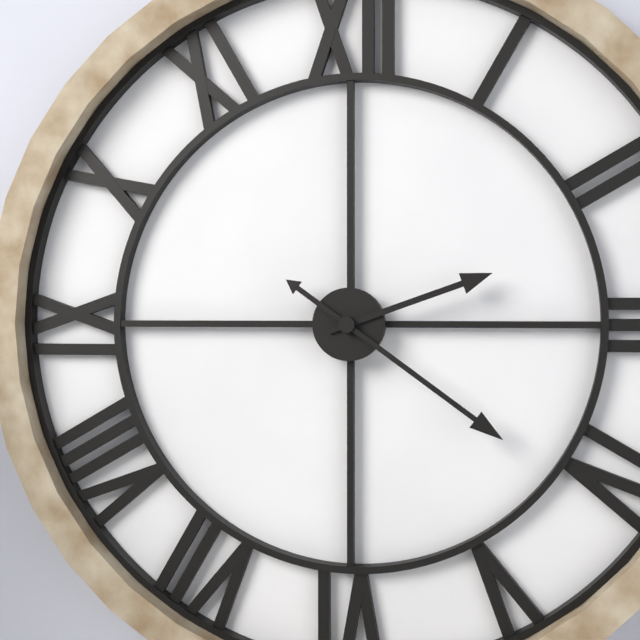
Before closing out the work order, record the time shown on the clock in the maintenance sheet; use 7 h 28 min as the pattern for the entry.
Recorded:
2 h 21 min
